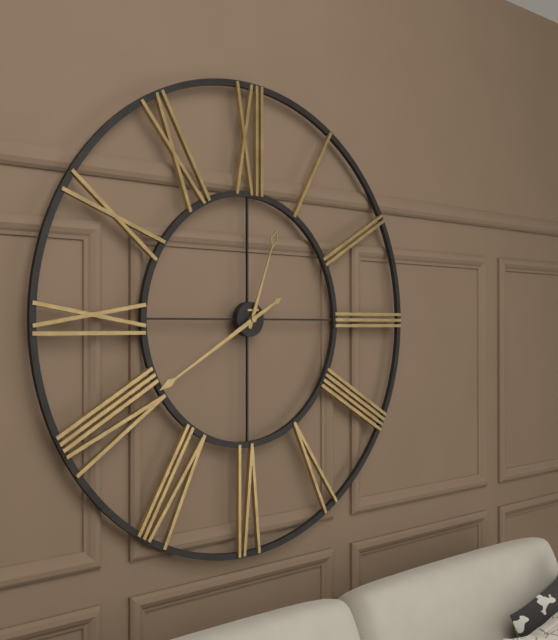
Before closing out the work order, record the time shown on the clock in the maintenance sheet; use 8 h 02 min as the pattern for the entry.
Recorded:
12 h 40 min
